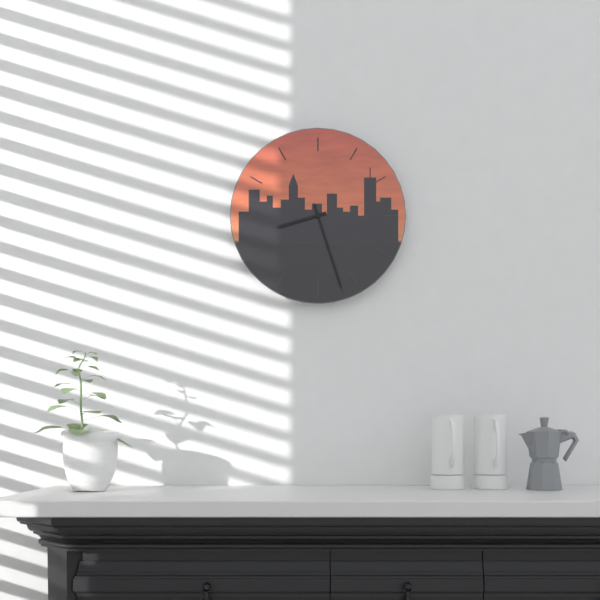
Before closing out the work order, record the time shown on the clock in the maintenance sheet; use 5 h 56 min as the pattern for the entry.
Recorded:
8 h 27 min
